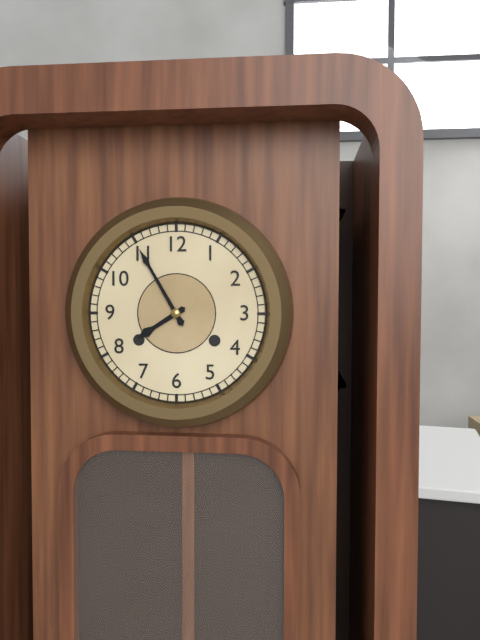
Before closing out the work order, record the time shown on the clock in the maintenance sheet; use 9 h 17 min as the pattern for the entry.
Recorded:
7 h 55 min
